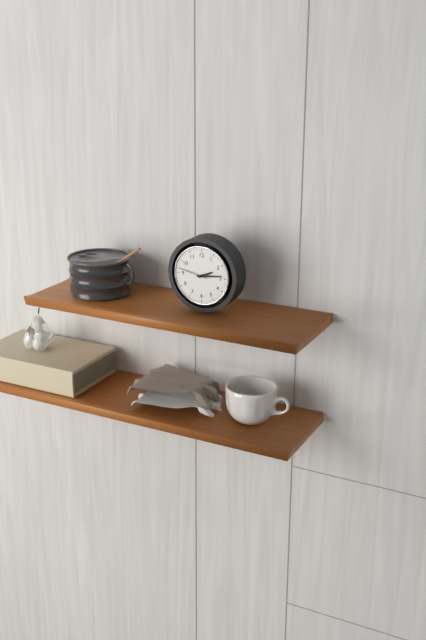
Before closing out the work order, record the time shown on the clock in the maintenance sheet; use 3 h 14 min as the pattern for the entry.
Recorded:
2 h 14 min
